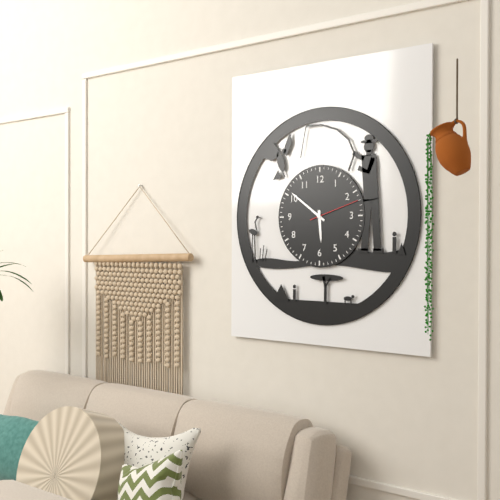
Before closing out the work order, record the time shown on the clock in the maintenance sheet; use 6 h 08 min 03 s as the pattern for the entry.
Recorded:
5 h 51 min 12 s
